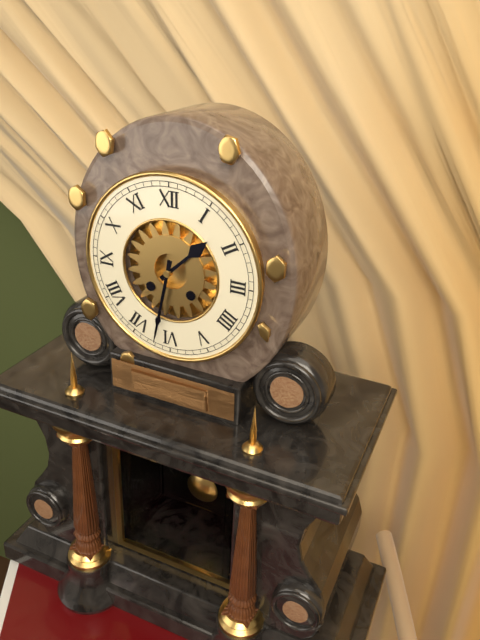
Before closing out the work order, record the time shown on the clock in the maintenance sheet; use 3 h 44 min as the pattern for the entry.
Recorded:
1 h 32 min
